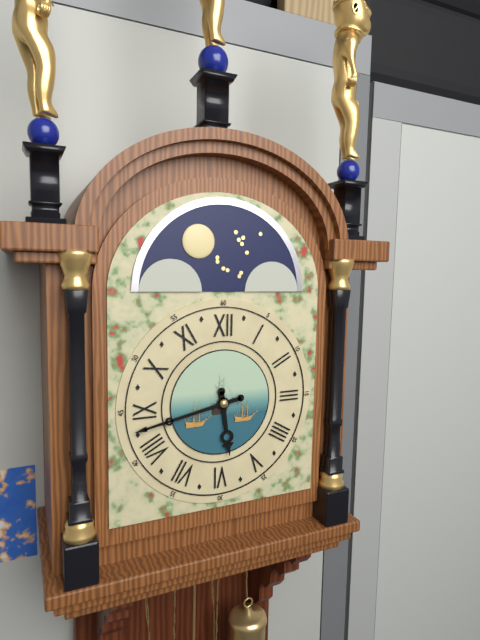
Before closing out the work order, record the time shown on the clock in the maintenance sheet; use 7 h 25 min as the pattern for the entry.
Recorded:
5 h 43 min
